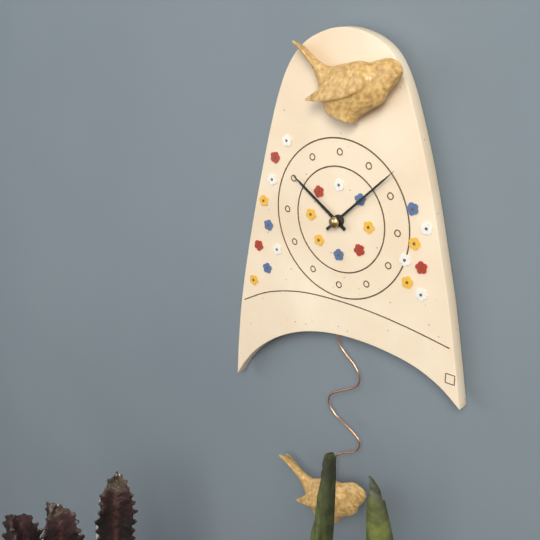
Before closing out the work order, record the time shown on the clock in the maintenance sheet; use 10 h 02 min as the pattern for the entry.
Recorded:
10 h 08 min
